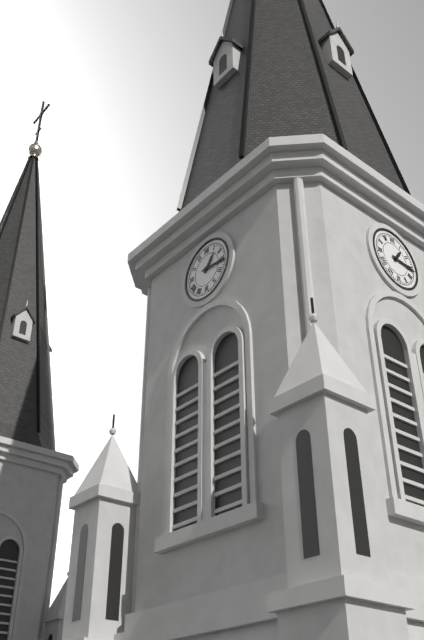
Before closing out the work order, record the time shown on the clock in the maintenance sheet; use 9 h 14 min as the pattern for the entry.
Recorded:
1 h 16 min
